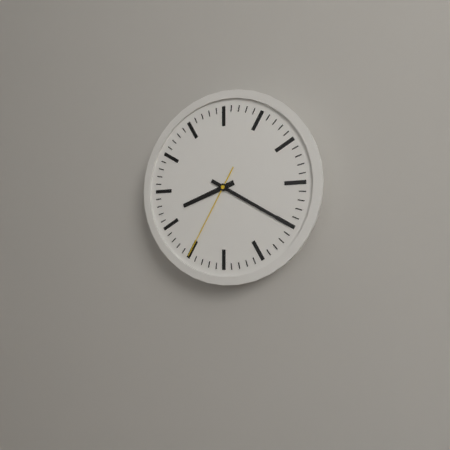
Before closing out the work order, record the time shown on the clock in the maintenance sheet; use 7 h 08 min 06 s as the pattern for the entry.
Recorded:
8 h 20 min 35 s
